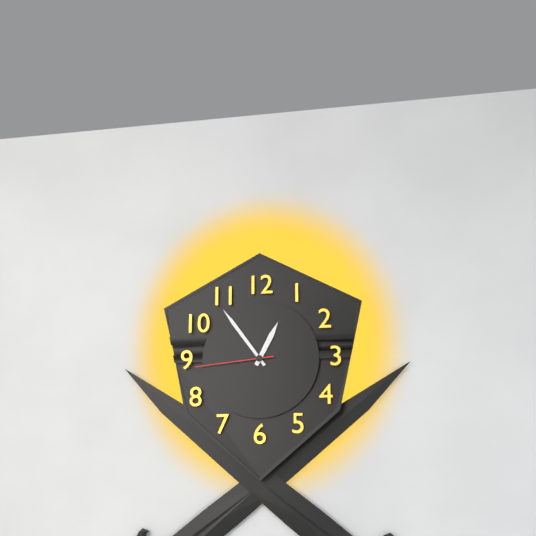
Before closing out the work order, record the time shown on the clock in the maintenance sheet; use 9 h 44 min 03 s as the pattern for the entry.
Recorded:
12 h 54 min 44 s
